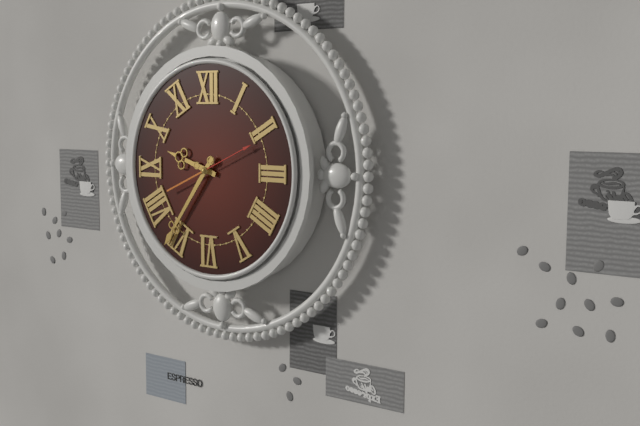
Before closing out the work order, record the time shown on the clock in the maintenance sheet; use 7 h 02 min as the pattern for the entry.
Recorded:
9 h 36 min
